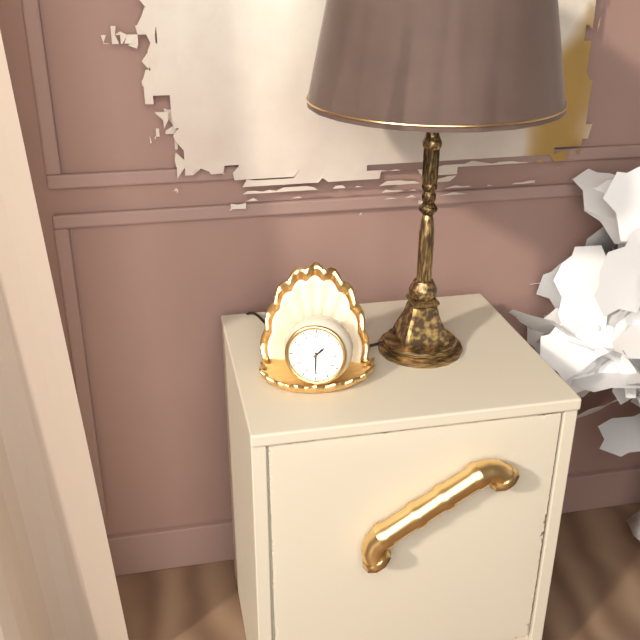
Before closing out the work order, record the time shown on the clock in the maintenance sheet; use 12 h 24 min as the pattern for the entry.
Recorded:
1 h 30 min
